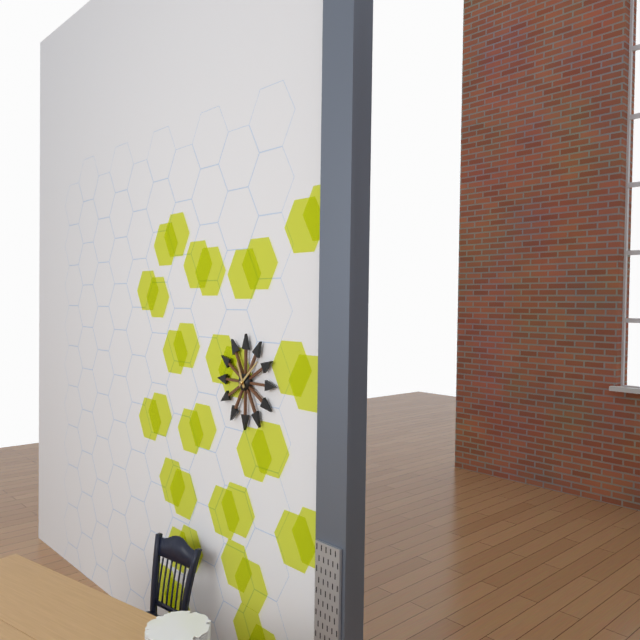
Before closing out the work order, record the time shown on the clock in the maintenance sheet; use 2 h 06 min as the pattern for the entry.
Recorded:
11 h 08 min
